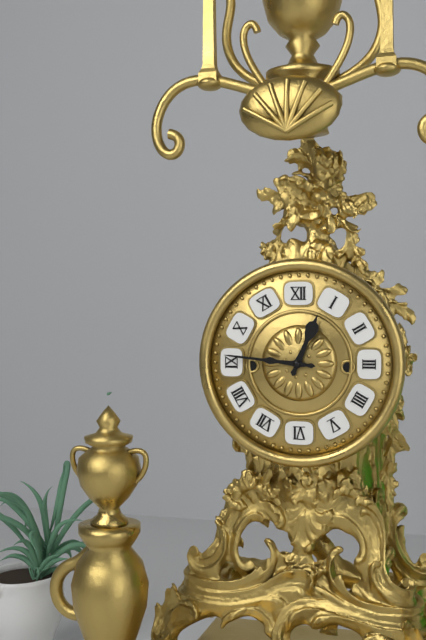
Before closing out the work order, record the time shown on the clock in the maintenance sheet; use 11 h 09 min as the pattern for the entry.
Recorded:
12 h 46 min
